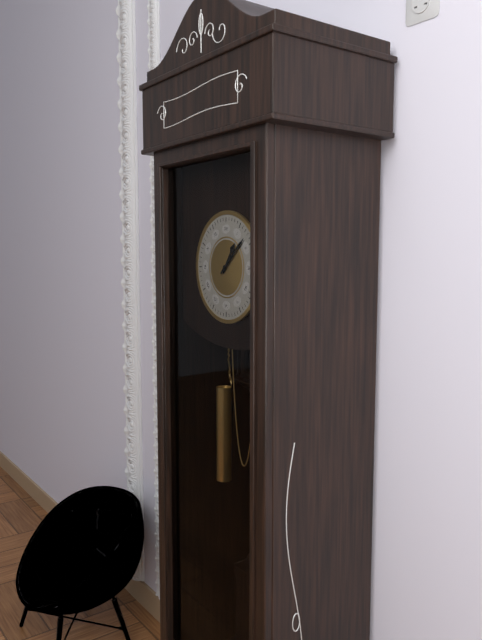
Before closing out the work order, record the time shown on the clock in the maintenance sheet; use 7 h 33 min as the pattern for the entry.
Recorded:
1 h 08 min
